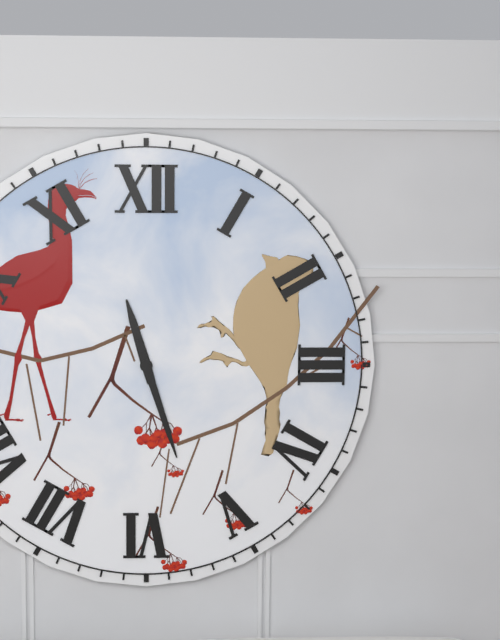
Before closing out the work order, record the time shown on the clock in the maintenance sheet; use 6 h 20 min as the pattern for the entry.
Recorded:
11 h 27 min
